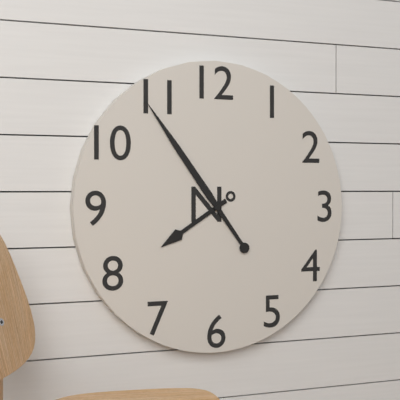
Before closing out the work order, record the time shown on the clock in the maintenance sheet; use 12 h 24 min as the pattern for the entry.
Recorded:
7 h 54 min
